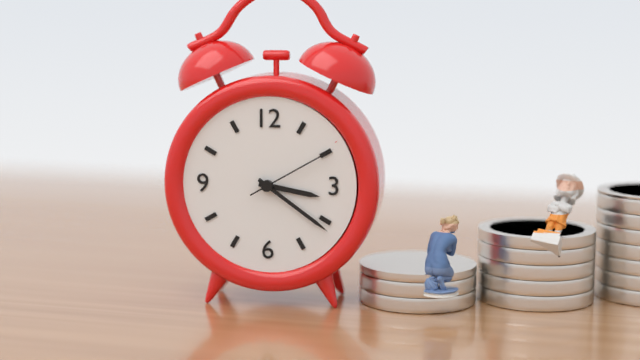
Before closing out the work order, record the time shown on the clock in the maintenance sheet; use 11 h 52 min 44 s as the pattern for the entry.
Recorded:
3 h 21 min 10 s
